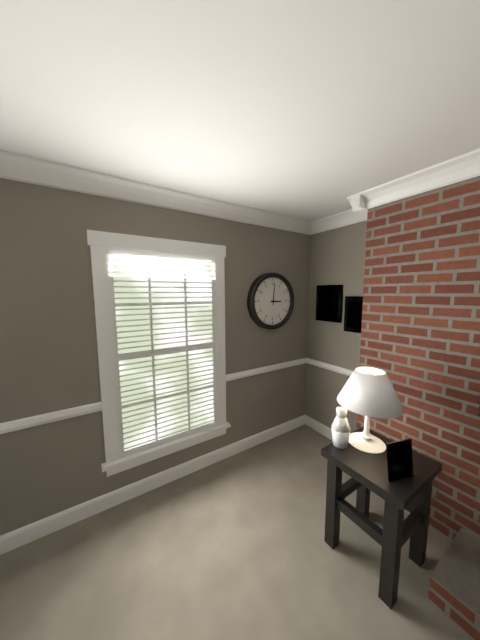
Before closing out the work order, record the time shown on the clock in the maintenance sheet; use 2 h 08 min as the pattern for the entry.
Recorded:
3 h 01 min
